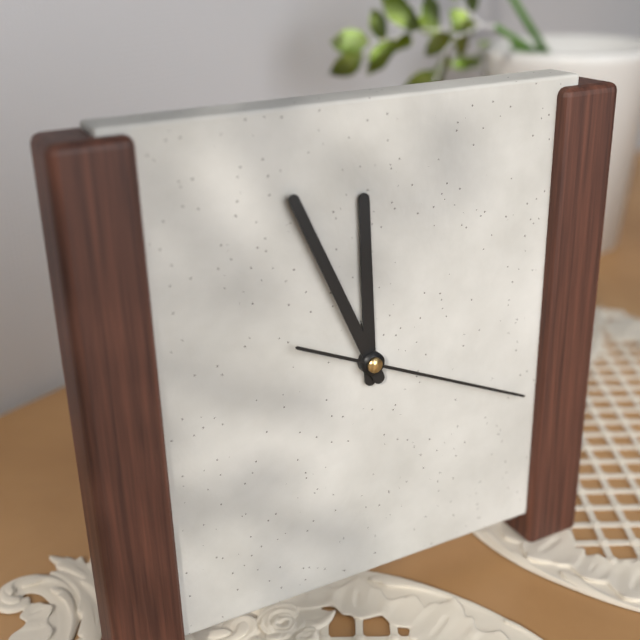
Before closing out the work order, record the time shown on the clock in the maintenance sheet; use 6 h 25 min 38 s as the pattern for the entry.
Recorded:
11 h 56 min 19 s
